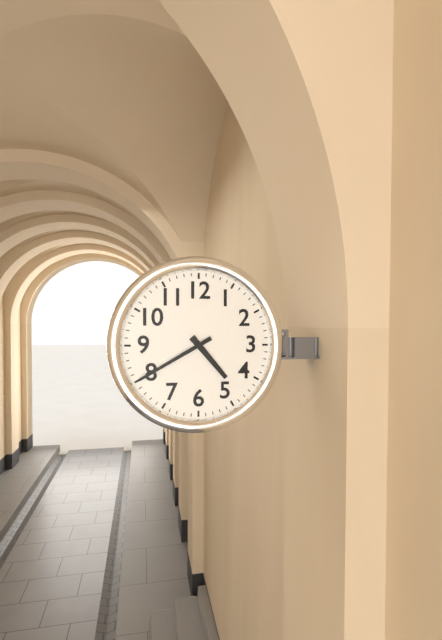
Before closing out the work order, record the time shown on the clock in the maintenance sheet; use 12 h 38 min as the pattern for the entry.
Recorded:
4 h 40 min
